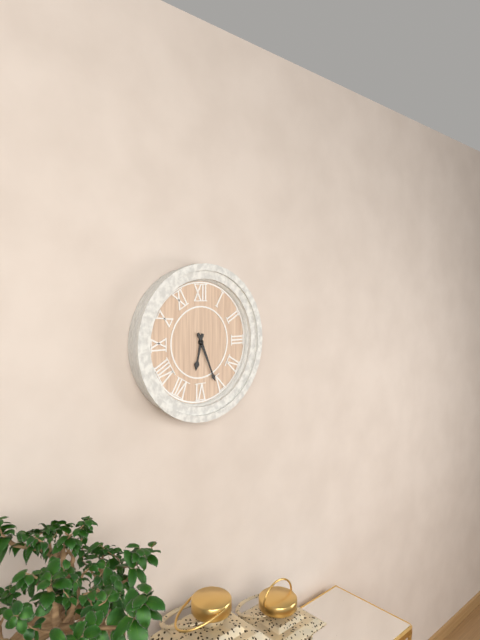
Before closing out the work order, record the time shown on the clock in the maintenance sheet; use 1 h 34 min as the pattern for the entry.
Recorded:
6 h 26 min
